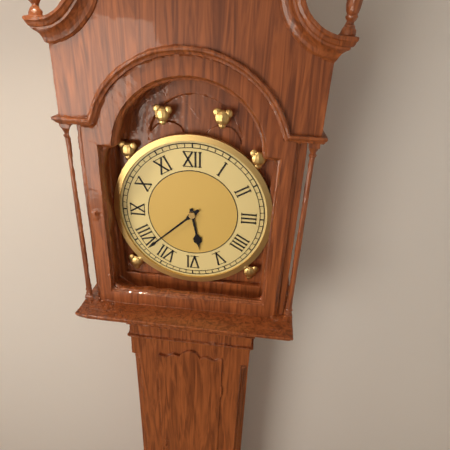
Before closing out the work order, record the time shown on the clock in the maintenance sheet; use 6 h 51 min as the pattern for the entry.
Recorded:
5 h 38 min
